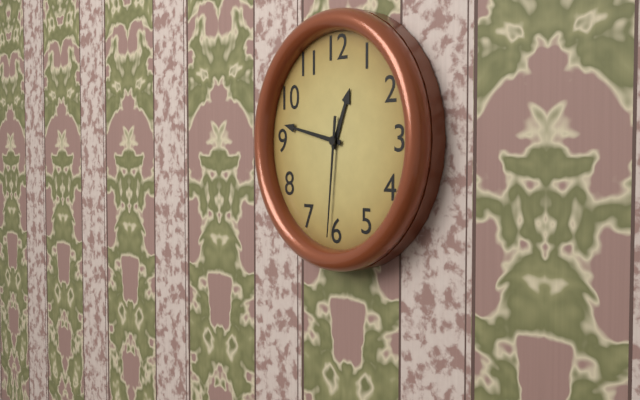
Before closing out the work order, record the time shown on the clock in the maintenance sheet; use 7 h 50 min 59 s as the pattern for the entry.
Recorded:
12 h 47 min 31 s
